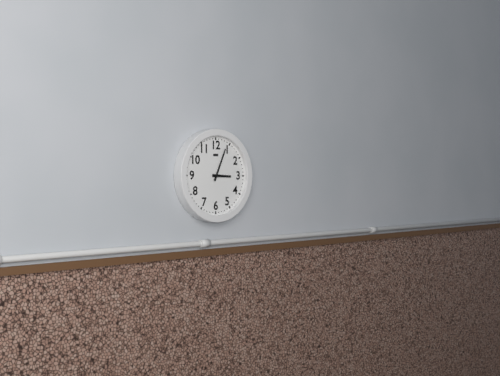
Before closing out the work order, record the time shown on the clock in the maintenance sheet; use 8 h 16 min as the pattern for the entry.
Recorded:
3 h 04 min
